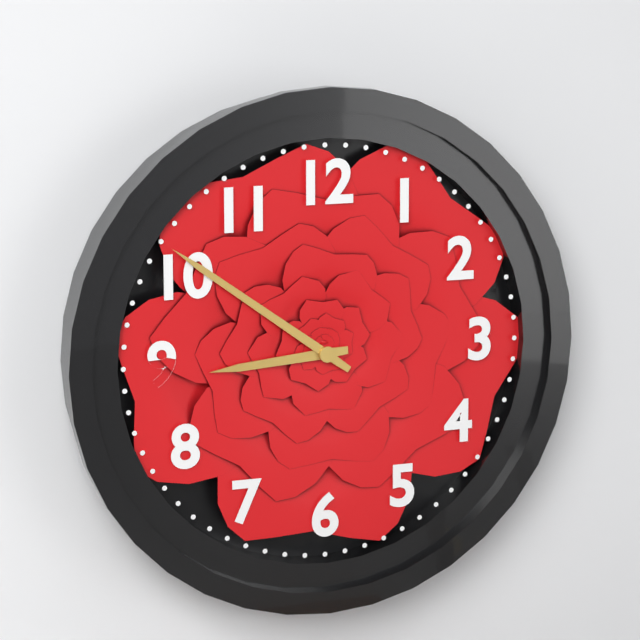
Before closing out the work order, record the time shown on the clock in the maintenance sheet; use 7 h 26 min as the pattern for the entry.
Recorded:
8 h 51 min
